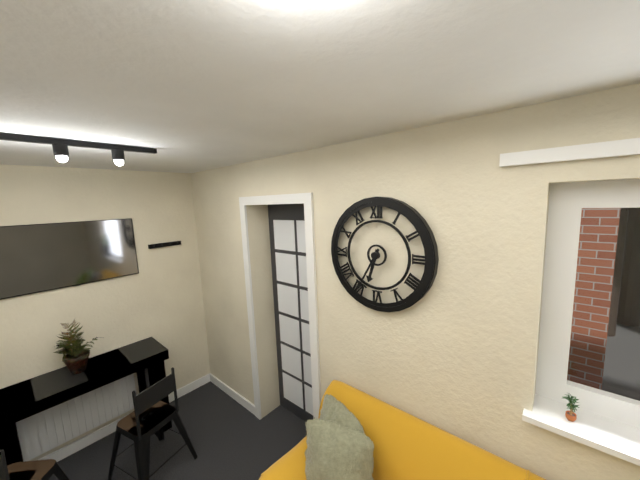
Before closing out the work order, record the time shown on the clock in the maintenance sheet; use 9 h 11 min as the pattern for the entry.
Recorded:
6 h 35 min
